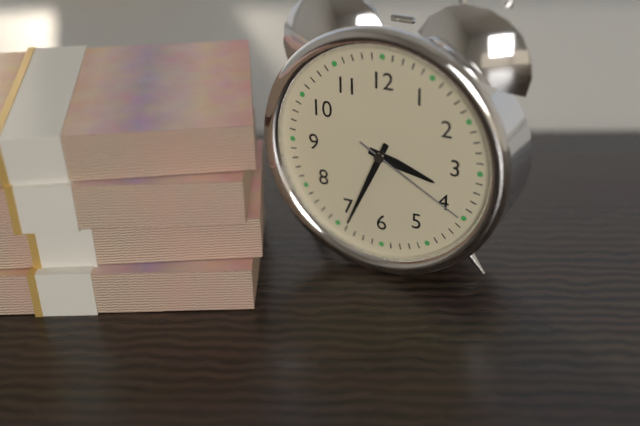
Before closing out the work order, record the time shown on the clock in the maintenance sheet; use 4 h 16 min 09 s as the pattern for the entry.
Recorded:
3 h 34 min 20 s
